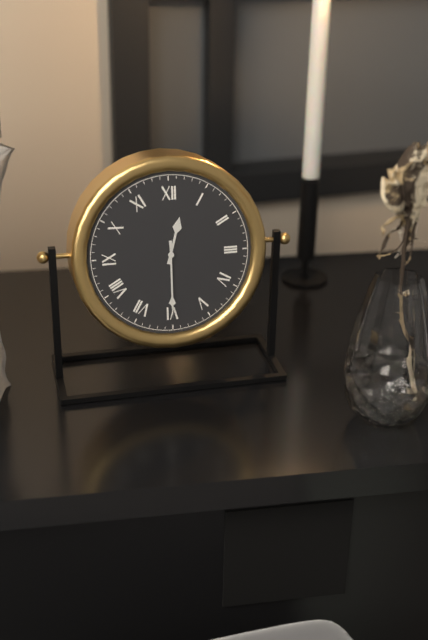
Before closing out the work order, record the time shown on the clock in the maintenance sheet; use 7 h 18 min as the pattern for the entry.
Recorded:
12 h 30 min
